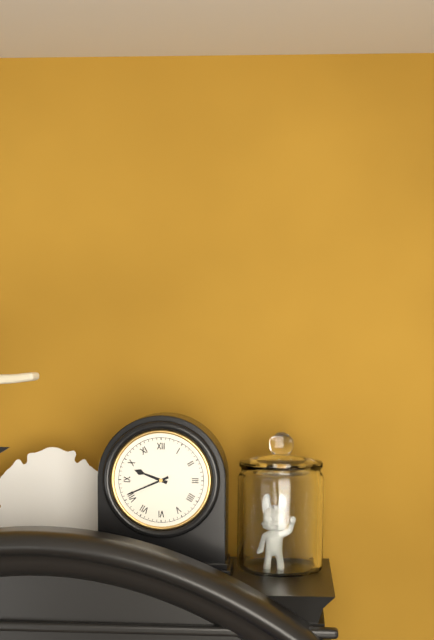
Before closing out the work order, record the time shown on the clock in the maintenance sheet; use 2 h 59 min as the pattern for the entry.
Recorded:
9 h 41 min
